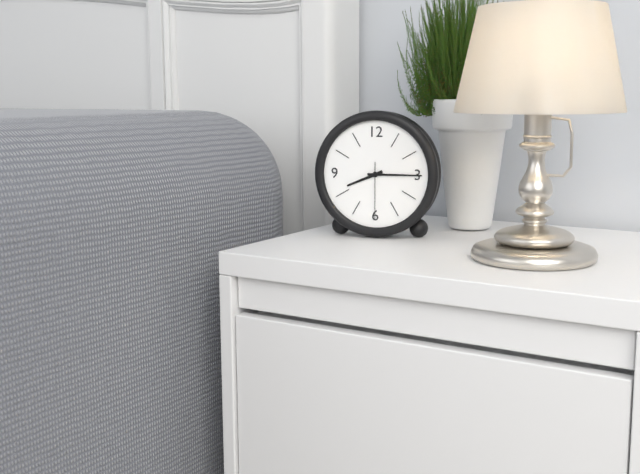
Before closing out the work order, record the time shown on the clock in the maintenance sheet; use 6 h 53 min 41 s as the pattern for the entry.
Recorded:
8 h 15 min 30 s
